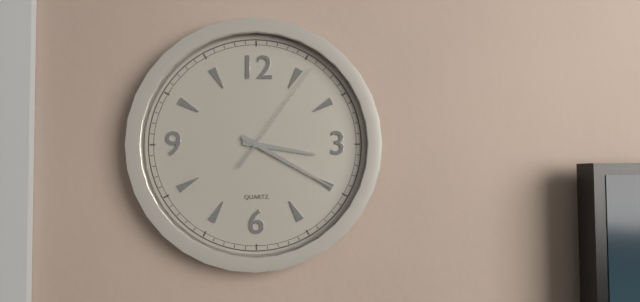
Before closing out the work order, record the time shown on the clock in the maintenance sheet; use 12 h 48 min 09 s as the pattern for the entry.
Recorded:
3 h 20 min 06 s
